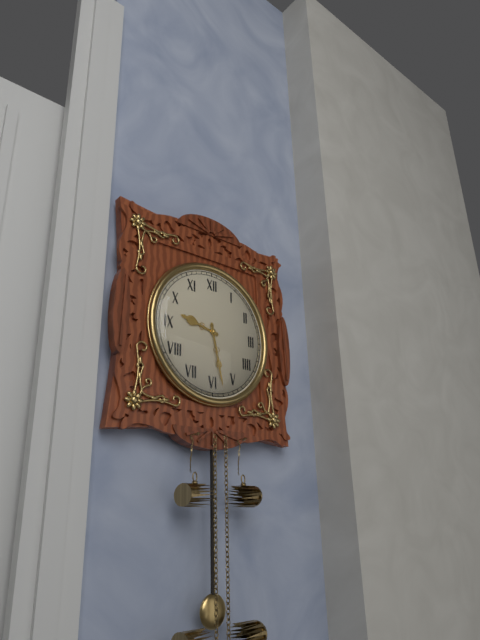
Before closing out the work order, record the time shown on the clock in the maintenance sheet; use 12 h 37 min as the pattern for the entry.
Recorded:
9 h 28 min
